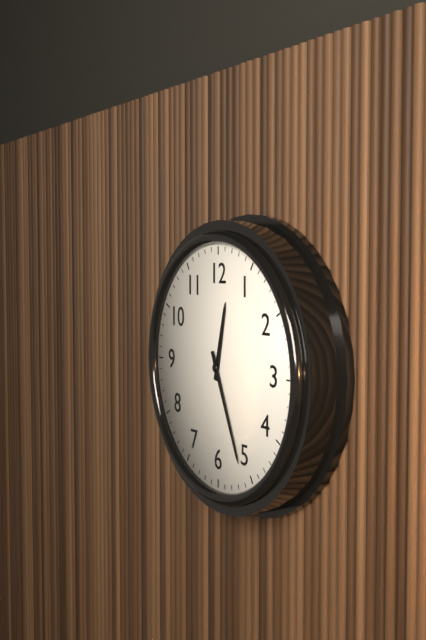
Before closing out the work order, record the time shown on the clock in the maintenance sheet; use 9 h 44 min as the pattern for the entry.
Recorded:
12 h 26 min
